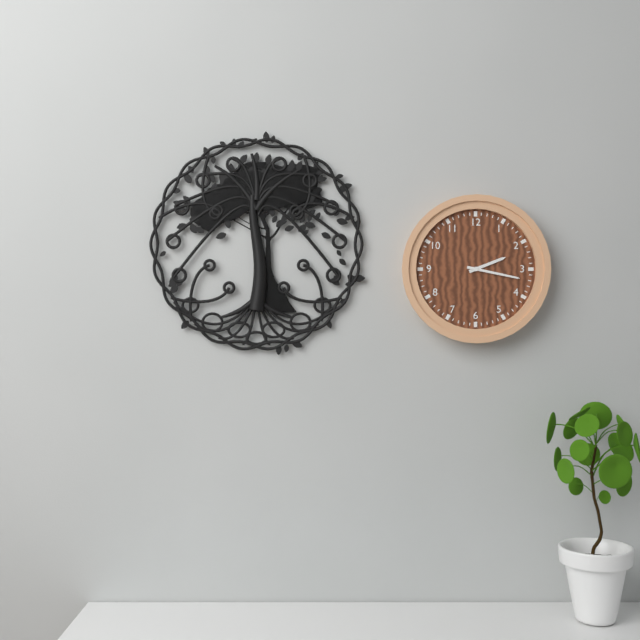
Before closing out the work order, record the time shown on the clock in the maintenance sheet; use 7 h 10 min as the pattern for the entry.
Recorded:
2 h 17 min
